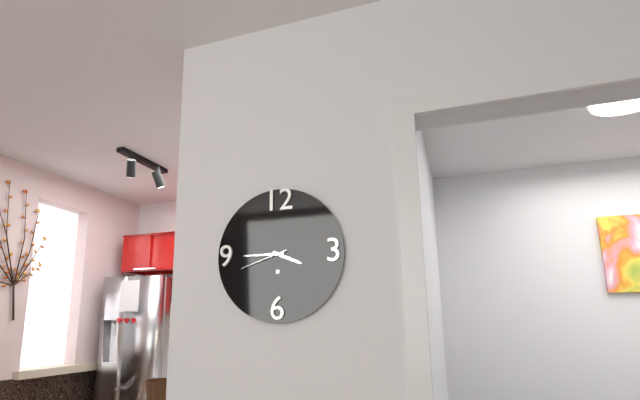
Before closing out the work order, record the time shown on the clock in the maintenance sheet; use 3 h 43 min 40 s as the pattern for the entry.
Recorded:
3 h 45 min 42 s
